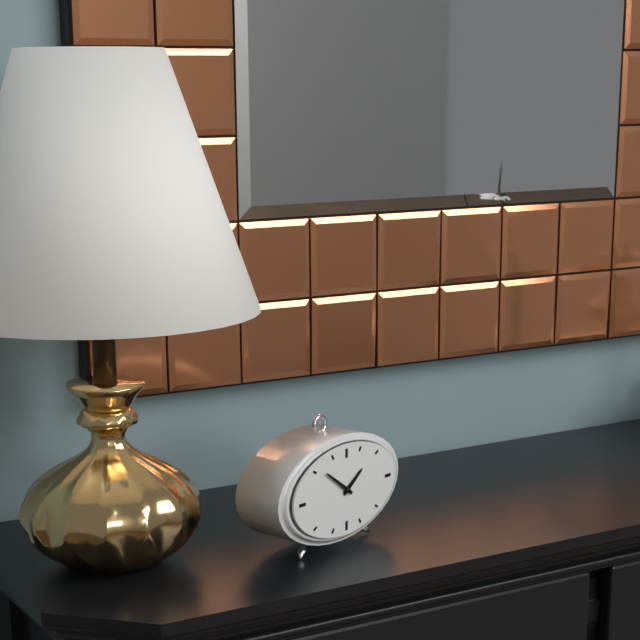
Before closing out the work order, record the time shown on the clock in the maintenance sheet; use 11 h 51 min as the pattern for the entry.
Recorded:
1 h 51 min
